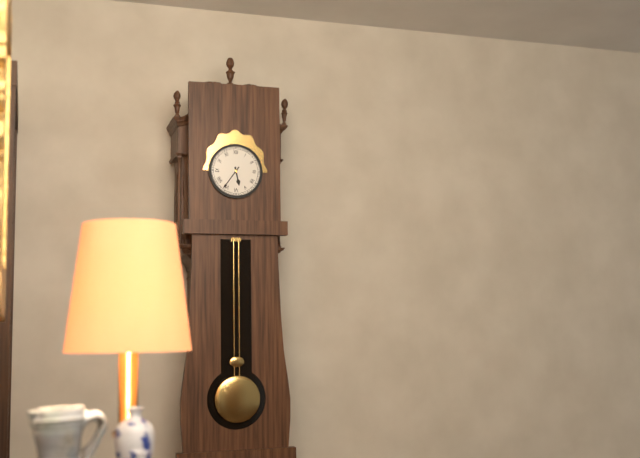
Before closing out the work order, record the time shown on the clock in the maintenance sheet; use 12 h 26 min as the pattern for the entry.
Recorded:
5 h 36 min
